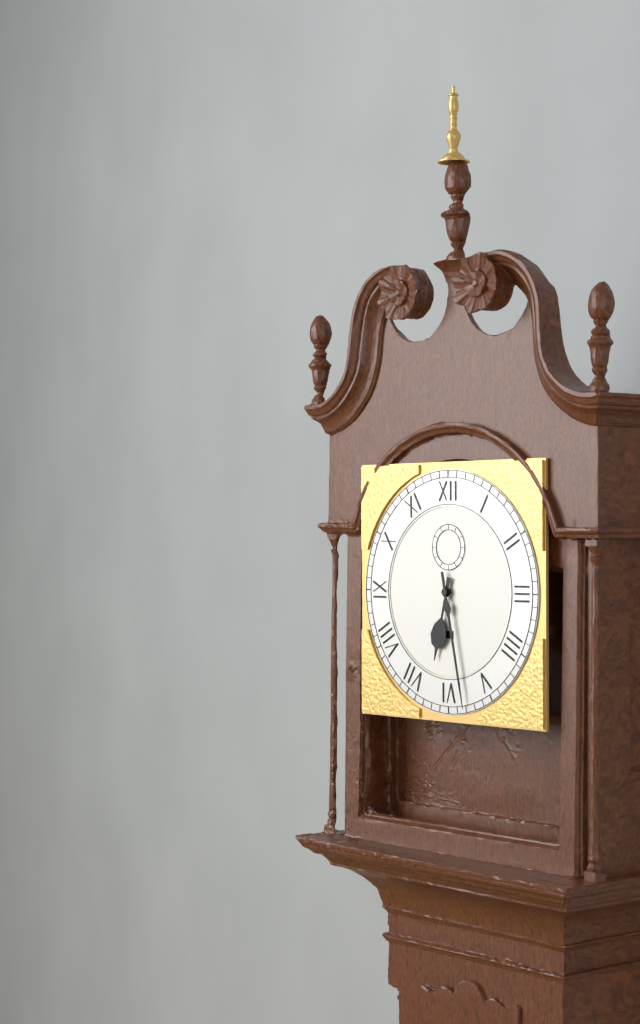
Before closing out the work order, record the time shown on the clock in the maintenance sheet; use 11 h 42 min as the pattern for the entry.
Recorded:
6 h 28 min
